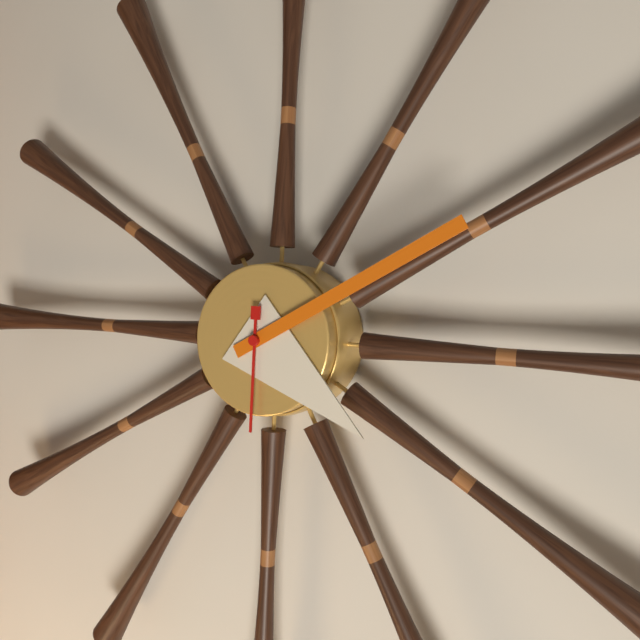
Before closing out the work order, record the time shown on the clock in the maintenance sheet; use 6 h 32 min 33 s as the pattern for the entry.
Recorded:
4 h 10 min 30 s
